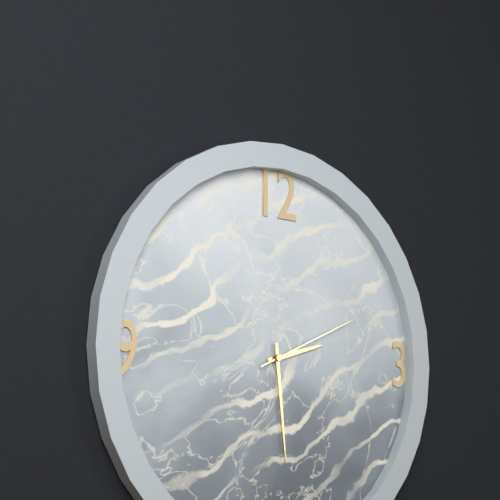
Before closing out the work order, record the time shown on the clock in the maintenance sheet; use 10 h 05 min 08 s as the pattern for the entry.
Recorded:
2 h 29 min 11 s
